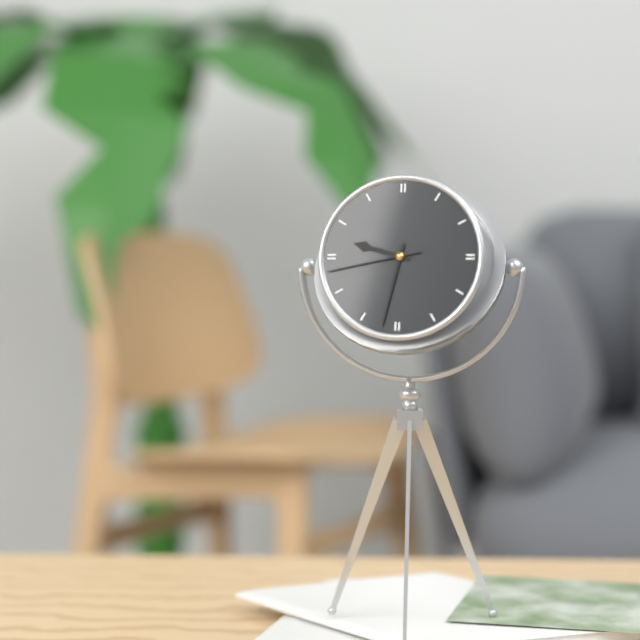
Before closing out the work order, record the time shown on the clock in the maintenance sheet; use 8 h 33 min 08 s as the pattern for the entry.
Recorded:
9 h 32 min 43 s
